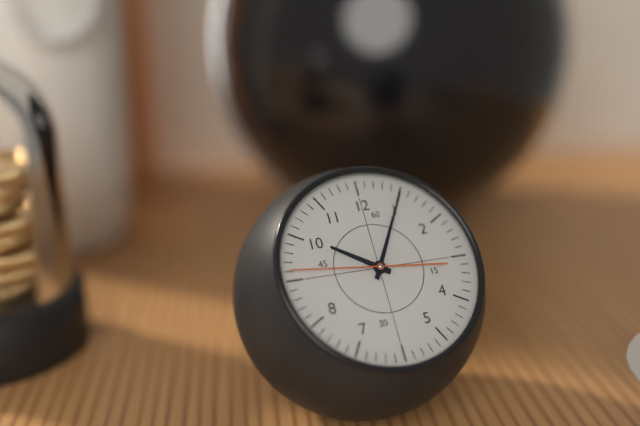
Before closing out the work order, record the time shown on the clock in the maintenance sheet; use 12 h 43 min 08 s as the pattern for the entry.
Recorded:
10 h 05 min 46 s
